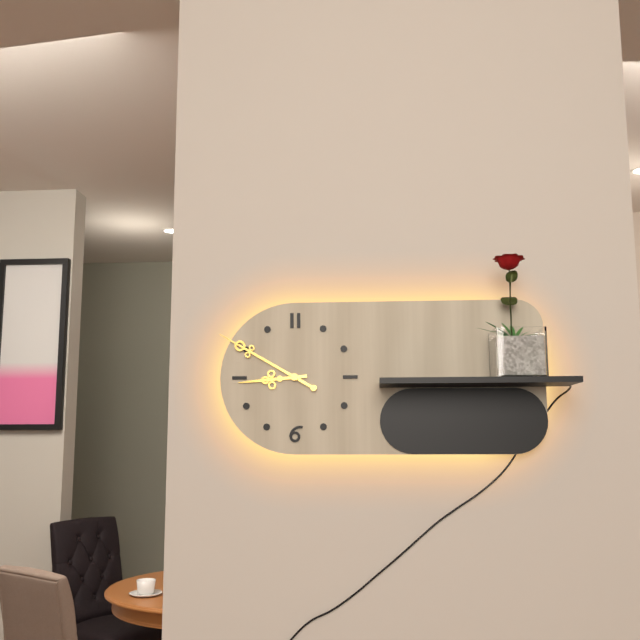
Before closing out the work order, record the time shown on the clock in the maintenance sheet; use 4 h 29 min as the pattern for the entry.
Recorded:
8 h 50 min
